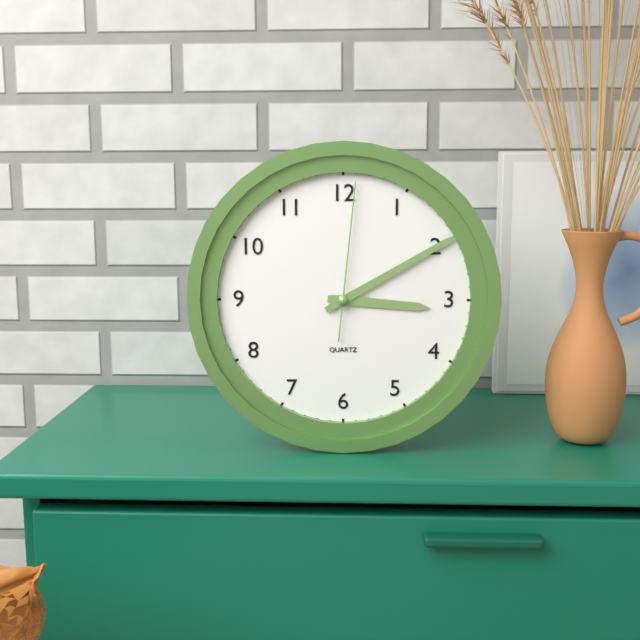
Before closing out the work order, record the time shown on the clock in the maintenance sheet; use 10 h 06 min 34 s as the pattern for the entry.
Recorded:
3 h 10 min 01 s
